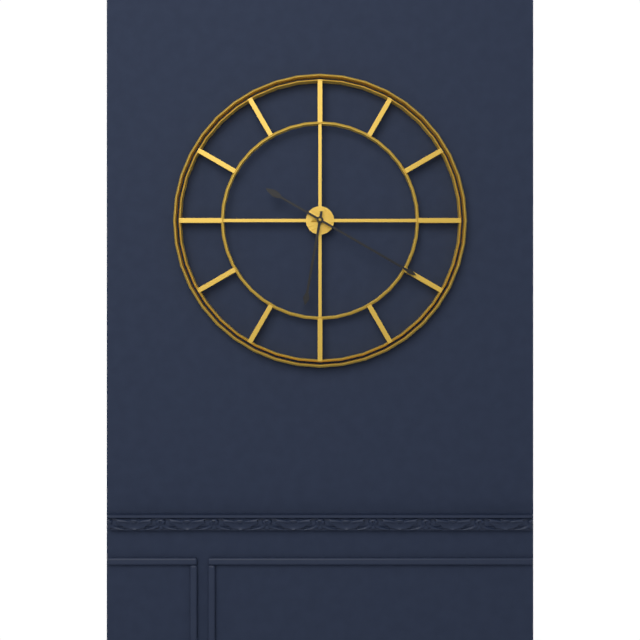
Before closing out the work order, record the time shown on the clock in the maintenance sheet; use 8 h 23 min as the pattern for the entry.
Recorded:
6 h 20 min
